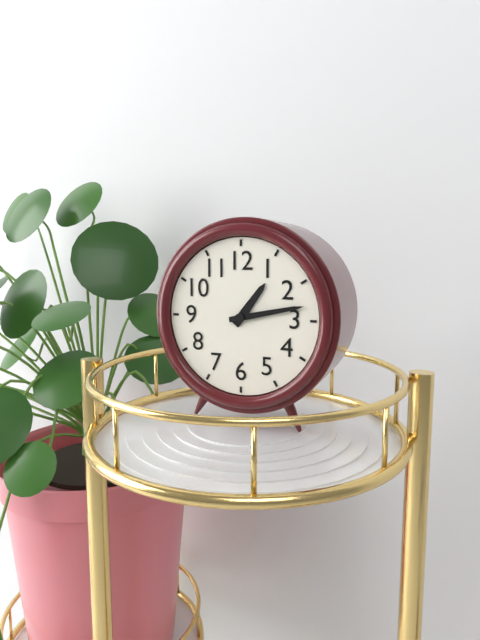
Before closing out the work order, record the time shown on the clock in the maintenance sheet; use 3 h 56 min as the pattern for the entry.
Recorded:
1 h 13 min
